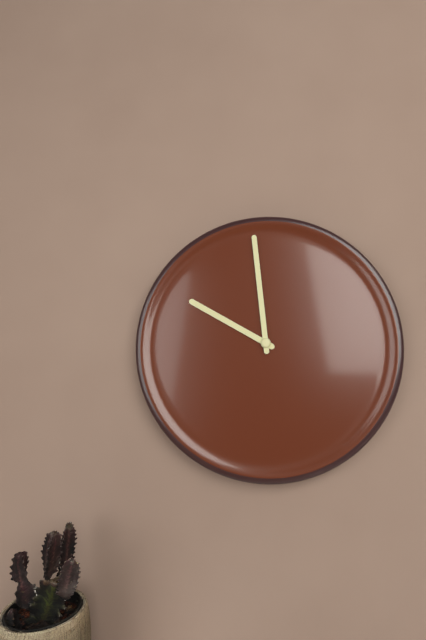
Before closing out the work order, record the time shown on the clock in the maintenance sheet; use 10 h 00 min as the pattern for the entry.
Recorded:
9 h 59 min
